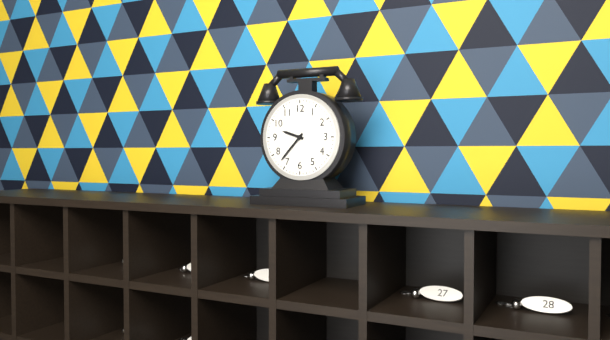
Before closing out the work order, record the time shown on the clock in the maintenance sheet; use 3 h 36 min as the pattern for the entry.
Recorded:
9 h 37 min
